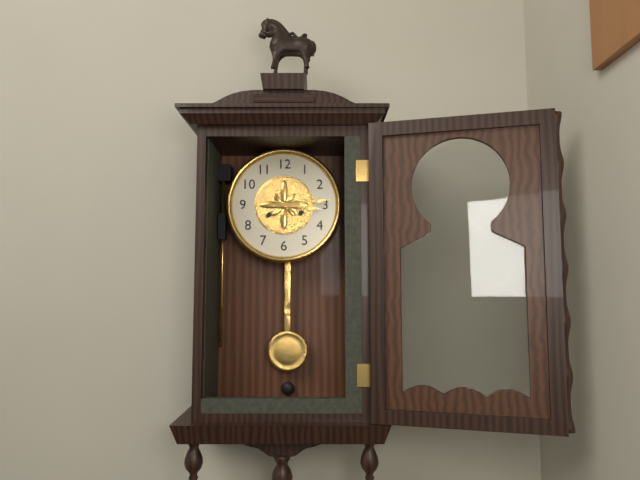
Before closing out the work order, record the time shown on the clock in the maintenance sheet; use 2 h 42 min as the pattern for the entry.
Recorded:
3 h 14 min
